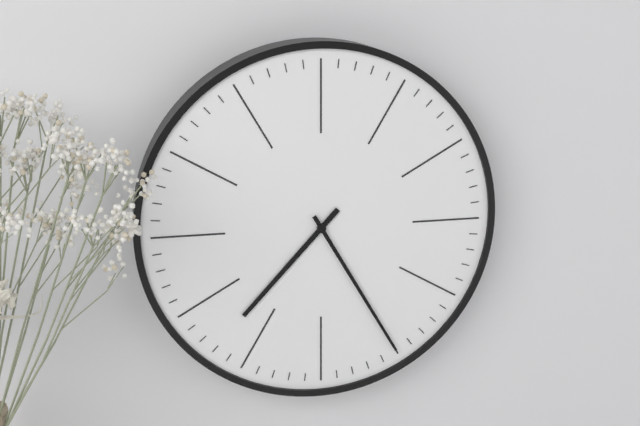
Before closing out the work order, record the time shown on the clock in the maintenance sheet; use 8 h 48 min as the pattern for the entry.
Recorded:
7 h 25 min
